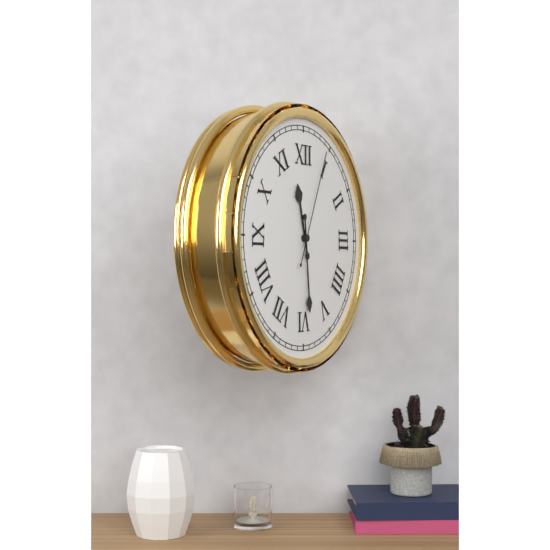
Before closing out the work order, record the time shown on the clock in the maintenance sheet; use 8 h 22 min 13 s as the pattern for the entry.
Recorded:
11 h 29 min 04 s
